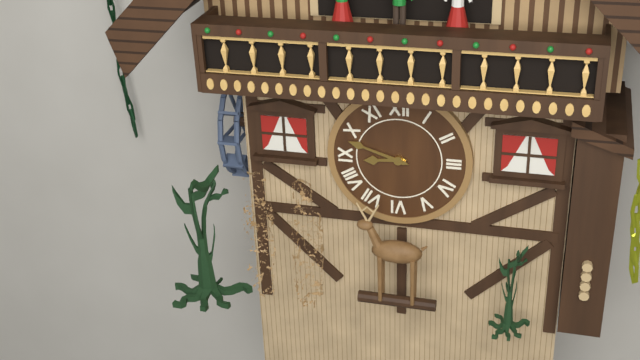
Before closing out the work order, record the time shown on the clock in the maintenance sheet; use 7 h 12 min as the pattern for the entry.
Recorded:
8 h 48 min
